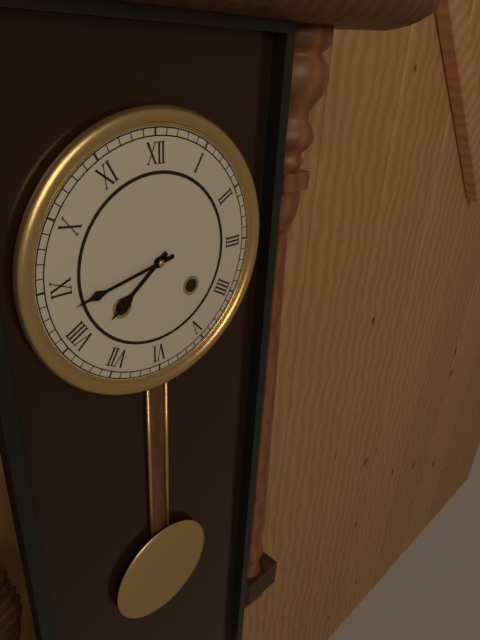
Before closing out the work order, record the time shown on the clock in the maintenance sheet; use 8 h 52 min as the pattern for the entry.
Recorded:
7 h 43 min
